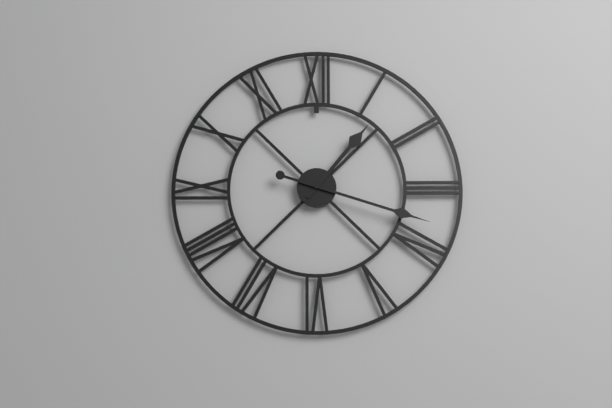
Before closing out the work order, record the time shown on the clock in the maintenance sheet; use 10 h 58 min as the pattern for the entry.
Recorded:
1 h 18 min
